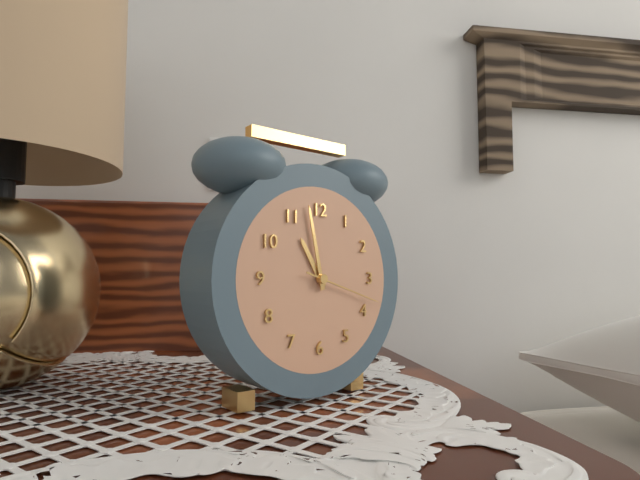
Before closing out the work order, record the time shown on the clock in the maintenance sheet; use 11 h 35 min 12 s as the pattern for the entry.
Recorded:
10 h 58 min 18 s
